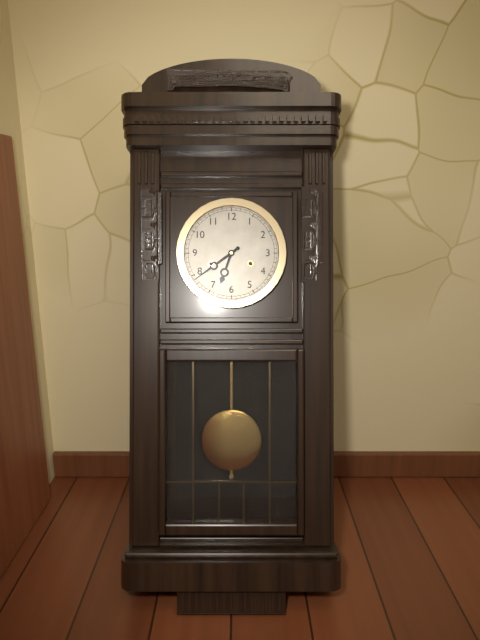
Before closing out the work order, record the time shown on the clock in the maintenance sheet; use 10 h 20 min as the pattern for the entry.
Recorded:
6 h 39 min
